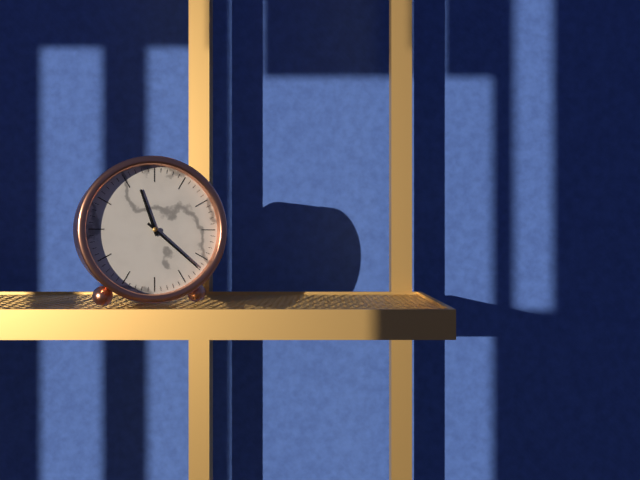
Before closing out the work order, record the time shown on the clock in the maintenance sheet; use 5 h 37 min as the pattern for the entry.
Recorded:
11 h 22 min
